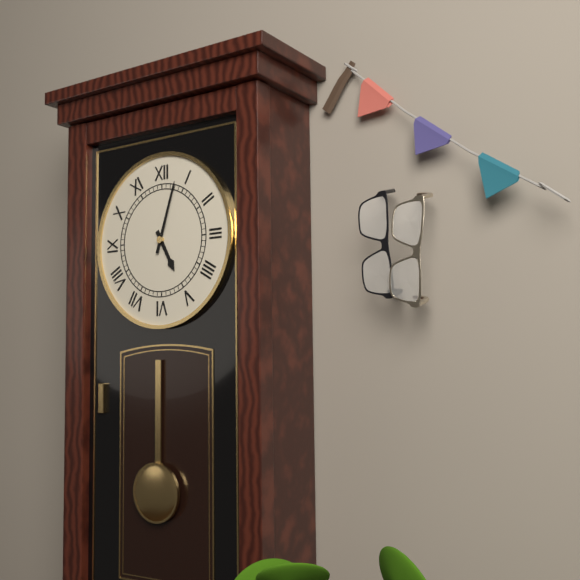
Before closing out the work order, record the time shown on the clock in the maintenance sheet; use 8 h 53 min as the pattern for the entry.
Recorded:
5 h 03 min
